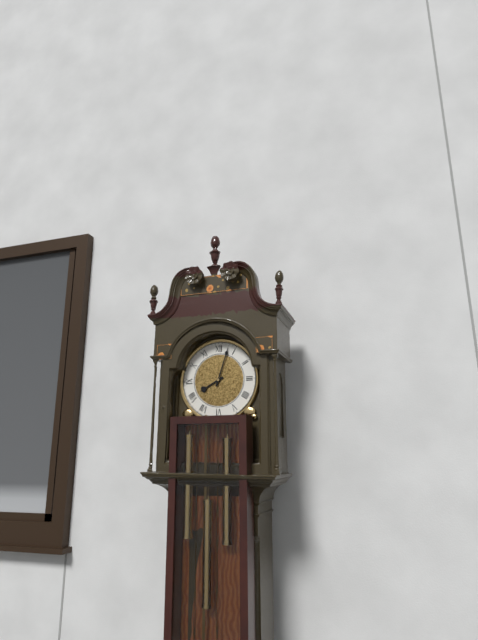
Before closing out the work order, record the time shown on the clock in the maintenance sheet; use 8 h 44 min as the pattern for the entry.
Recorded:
8 h 03 min
